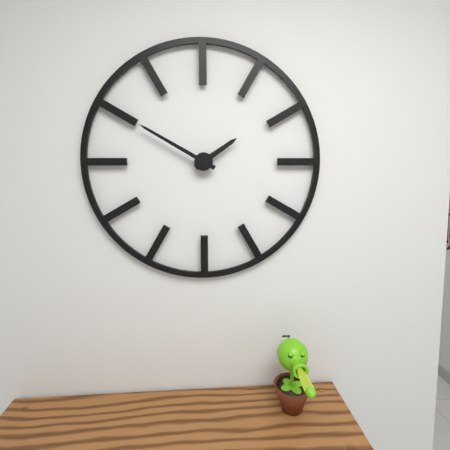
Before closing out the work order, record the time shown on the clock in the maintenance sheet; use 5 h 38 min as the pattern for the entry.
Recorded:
1 h 50 min
